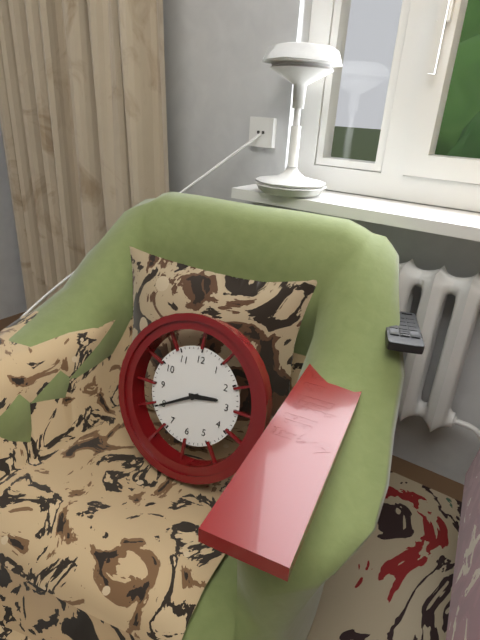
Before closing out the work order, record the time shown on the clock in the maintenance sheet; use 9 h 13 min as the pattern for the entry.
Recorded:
2 h 40 min
